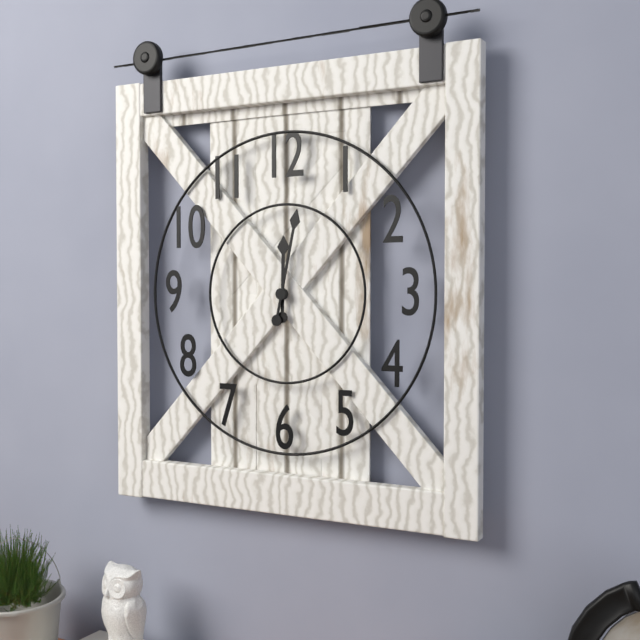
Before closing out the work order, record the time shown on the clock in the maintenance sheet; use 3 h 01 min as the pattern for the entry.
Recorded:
12 h 02 min
